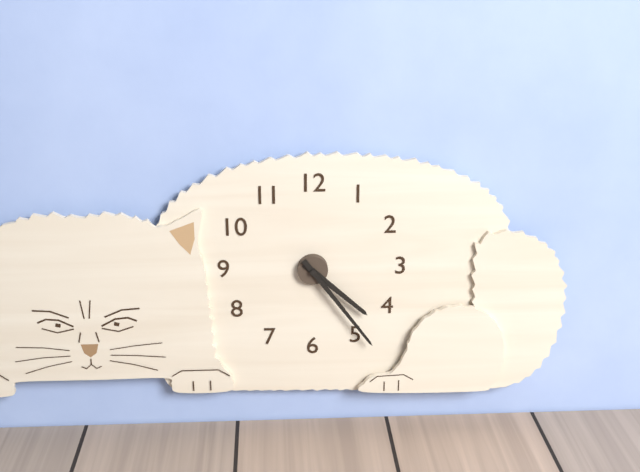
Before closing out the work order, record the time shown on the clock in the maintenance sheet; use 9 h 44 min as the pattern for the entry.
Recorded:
4 h 24 min
